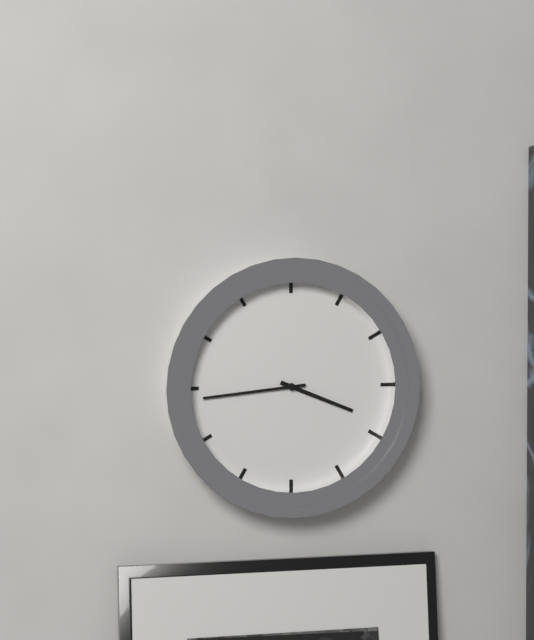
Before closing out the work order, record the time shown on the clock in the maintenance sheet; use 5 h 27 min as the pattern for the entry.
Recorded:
3 h 44 min
